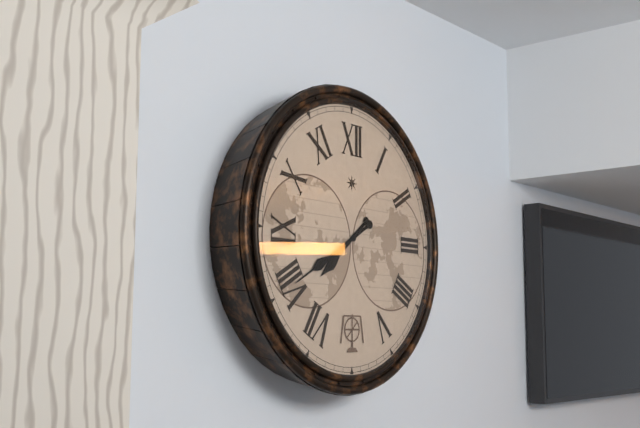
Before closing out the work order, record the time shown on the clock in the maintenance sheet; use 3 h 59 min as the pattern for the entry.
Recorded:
7 h 40 min
